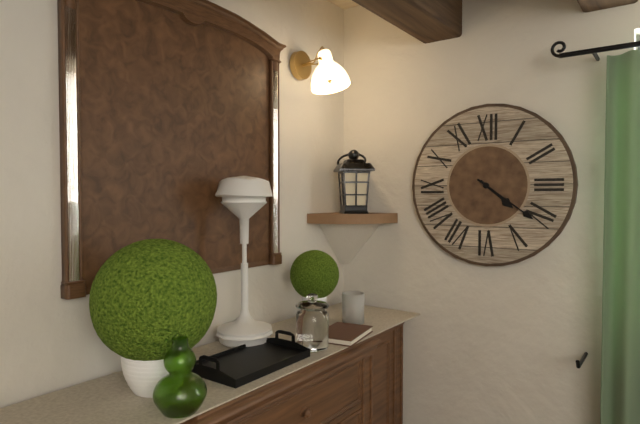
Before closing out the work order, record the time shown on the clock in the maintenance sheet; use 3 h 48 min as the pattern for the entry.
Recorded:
4 h 21 min
